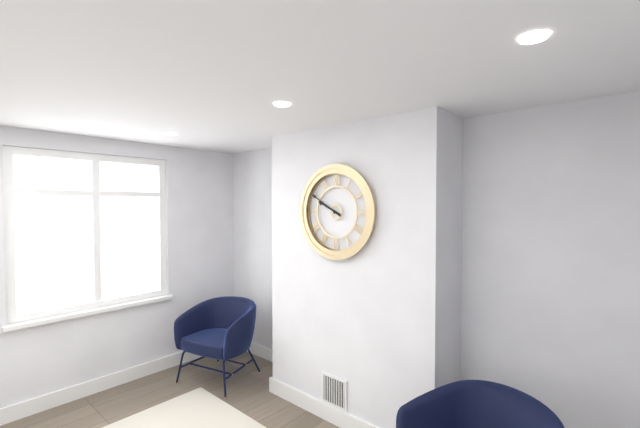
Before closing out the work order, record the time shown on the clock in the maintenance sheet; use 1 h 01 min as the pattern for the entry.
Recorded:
9 h 50 min
